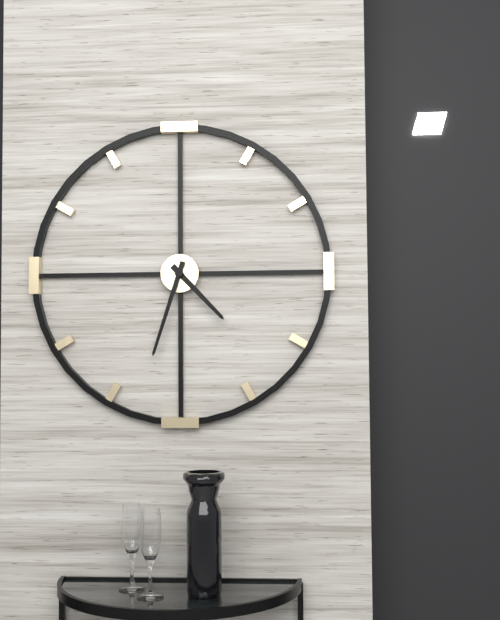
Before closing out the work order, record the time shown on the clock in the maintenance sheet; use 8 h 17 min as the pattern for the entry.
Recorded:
4 h 33 min
